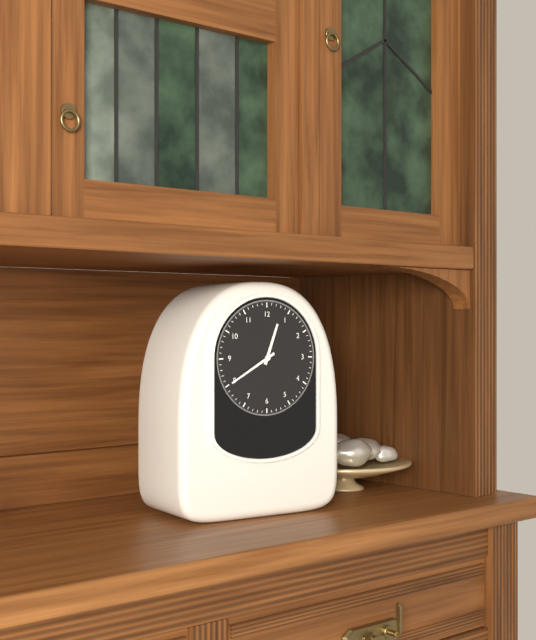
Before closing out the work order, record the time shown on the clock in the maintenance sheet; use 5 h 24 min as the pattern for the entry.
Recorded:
12 h 40 min
